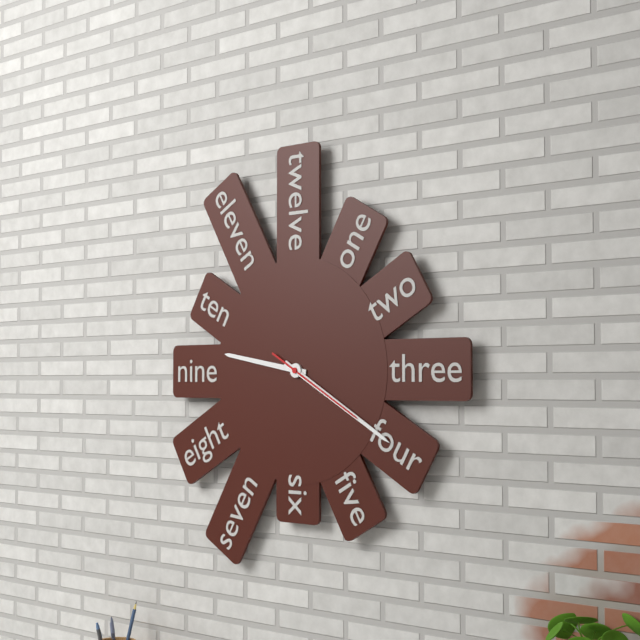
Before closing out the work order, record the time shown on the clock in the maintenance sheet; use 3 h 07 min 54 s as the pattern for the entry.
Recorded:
9 h 20 min 20 s
